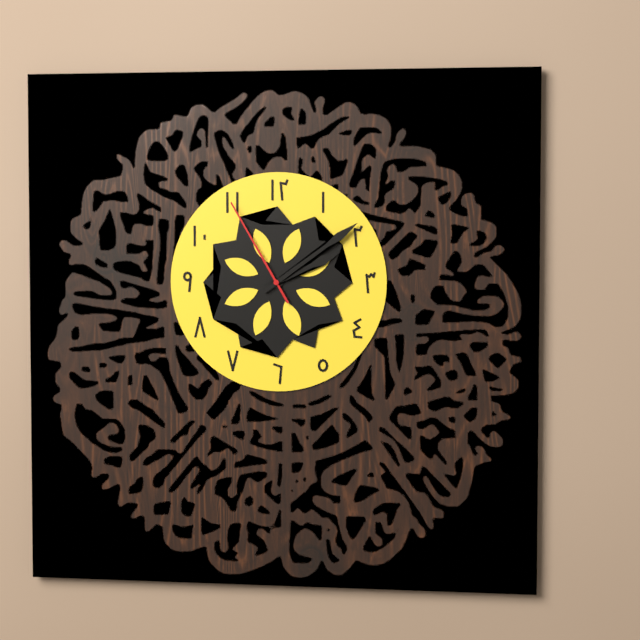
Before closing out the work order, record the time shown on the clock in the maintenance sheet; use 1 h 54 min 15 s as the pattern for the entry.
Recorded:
2 h 09 min 55 s
